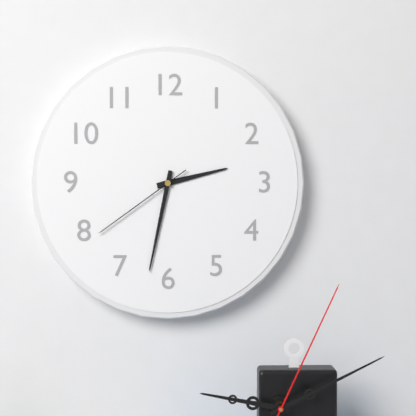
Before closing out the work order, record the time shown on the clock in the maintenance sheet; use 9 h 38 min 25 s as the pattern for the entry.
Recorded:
2 h 32 min 39 s
